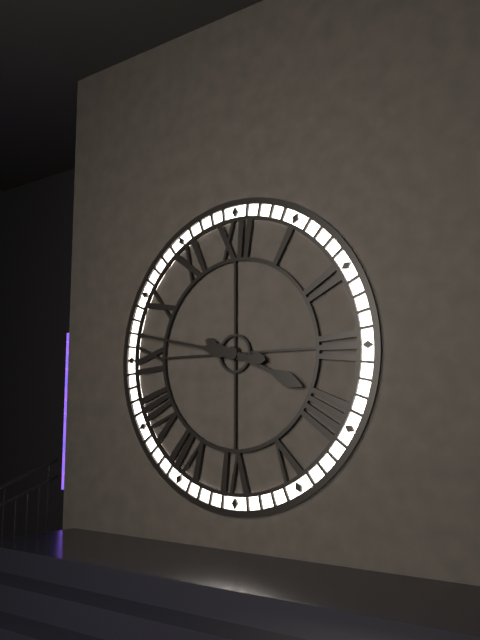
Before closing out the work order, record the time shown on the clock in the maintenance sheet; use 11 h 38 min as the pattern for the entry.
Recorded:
3 h 47 min
